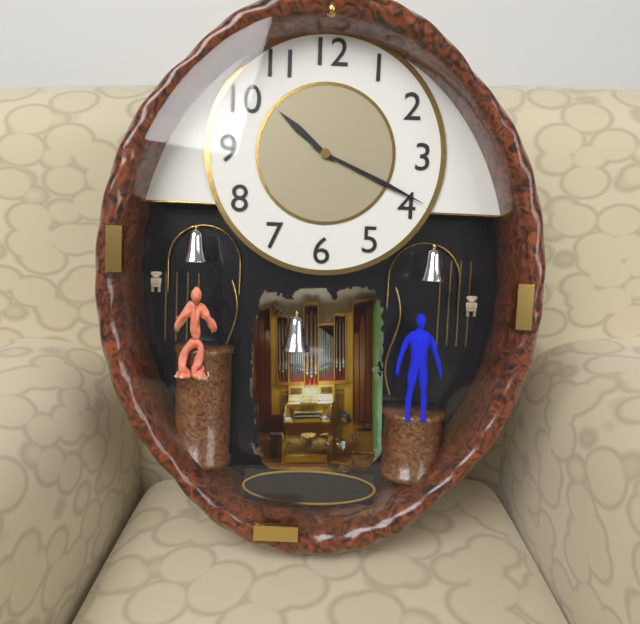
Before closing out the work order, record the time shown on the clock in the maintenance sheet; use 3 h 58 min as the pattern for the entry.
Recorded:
10 h 19 min
